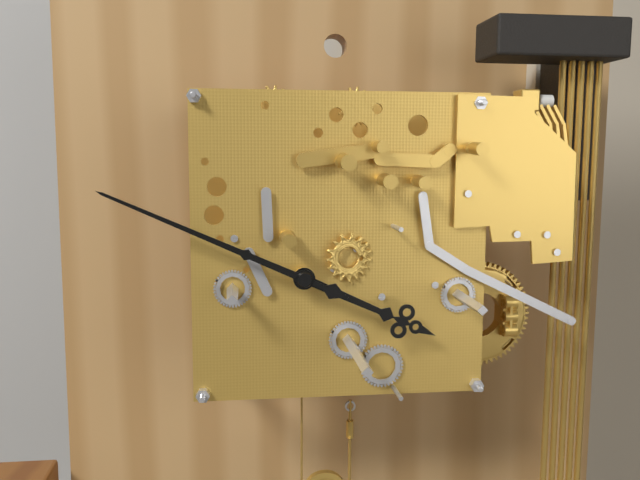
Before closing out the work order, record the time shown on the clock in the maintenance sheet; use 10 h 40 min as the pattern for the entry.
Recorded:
3 h 49 min
